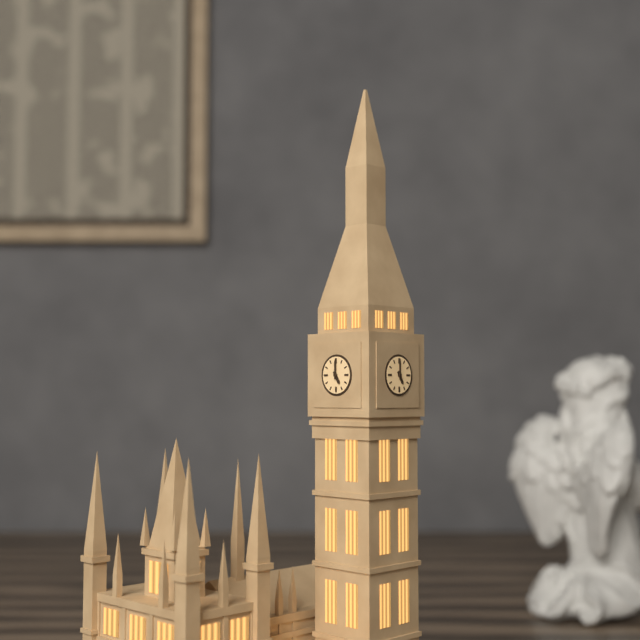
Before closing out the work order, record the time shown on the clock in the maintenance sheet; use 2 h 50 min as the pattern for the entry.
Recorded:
5 h 00 min
